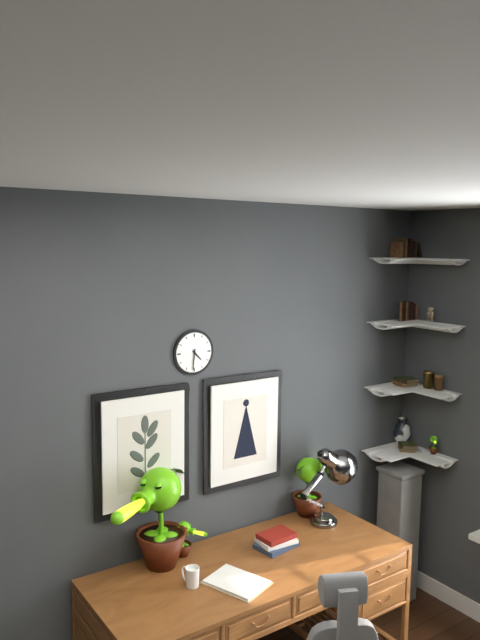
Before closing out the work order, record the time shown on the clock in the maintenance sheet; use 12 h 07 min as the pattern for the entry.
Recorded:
4 h 31 min
